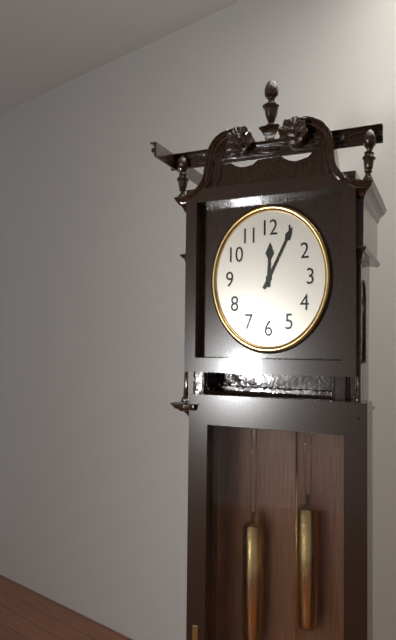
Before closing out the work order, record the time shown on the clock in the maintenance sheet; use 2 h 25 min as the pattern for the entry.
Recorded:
12 h 05 min
